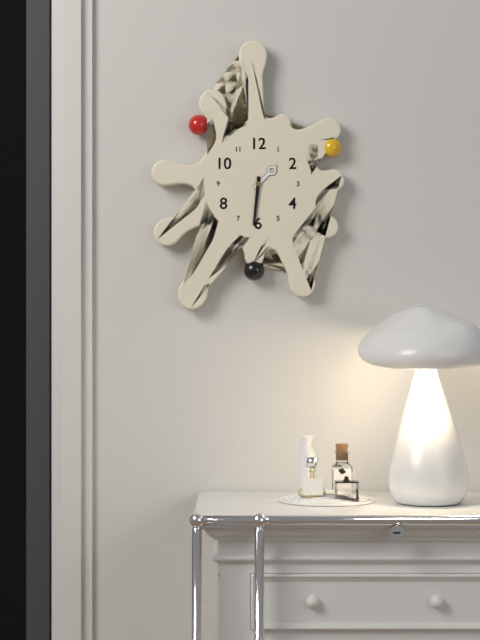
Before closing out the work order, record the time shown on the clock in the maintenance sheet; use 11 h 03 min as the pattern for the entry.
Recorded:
1 h 31 min
